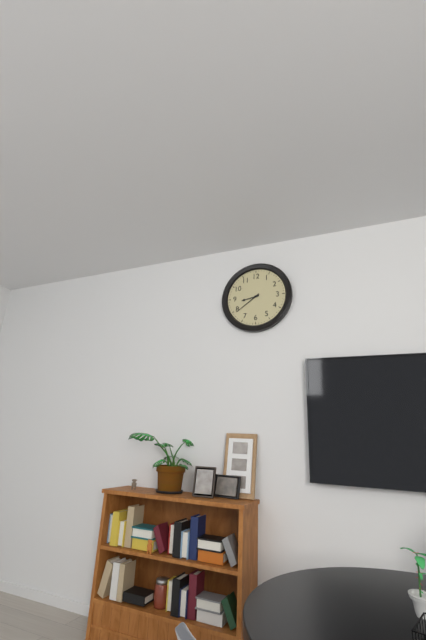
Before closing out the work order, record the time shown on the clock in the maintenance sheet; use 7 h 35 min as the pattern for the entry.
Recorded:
8 h 39 min
